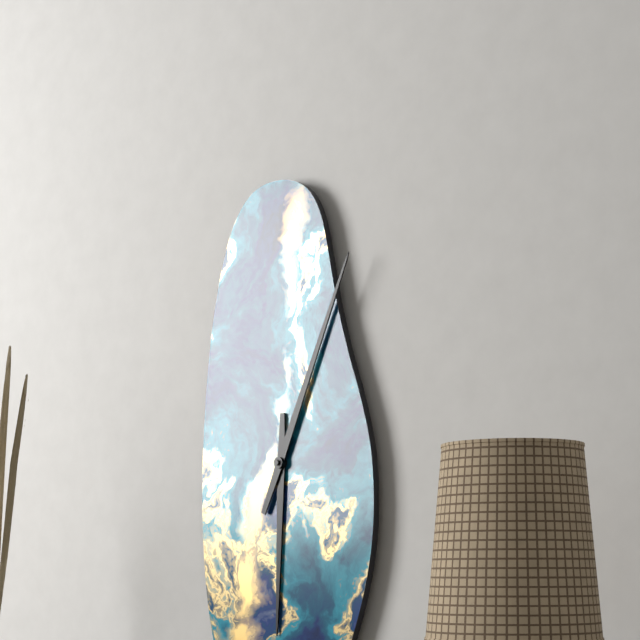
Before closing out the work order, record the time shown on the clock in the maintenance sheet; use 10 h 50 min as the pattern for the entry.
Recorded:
6 h 04 min
